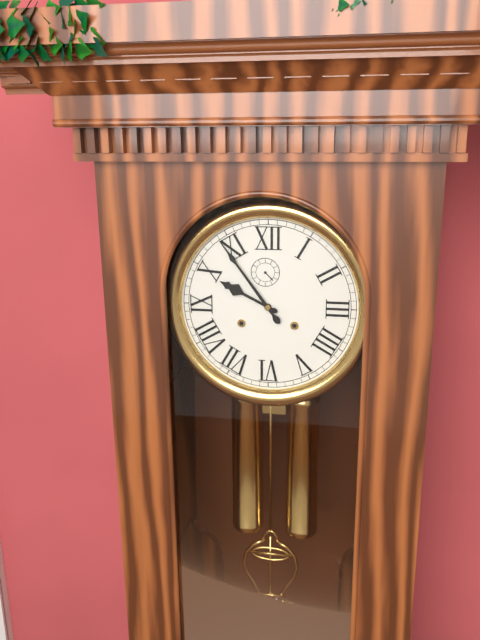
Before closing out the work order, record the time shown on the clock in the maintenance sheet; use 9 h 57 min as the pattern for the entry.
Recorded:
9 h 54 min
